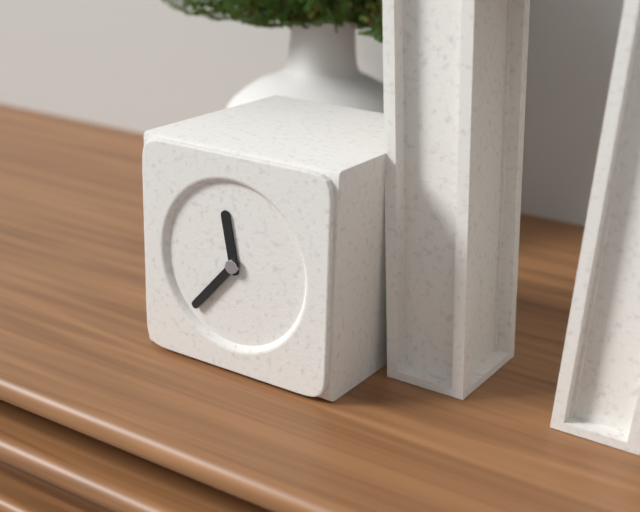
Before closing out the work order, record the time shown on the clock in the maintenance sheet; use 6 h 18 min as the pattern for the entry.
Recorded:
11 h 37 min
